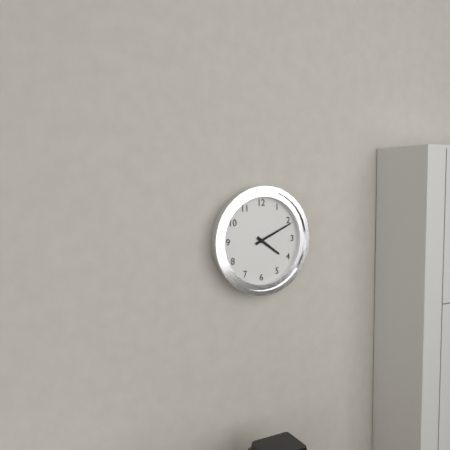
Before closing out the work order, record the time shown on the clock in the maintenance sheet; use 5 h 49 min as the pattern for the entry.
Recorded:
4 h 11 min
